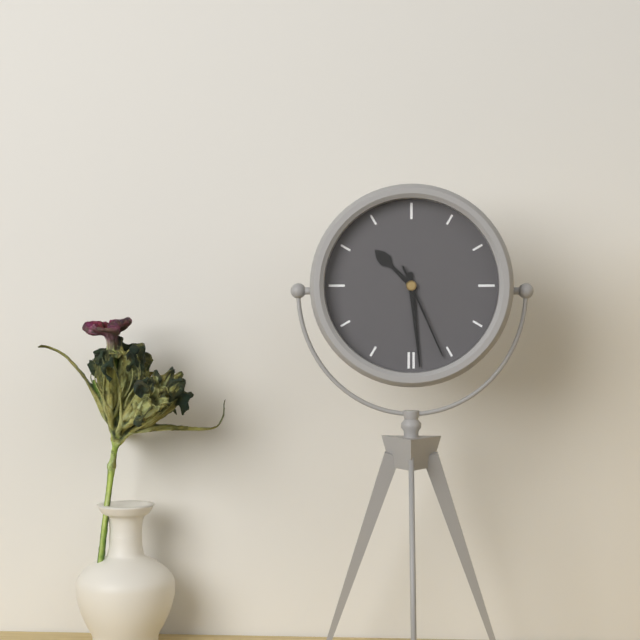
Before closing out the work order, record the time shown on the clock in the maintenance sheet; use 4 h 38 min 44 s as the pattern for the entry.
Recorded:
10 h 29 min 26 s
